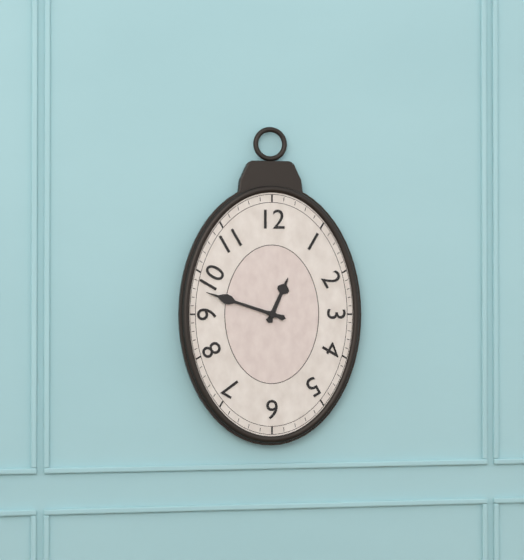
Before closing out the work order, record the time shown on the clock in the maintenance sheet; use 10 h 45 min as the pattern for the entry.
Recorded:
12 h 48 min
